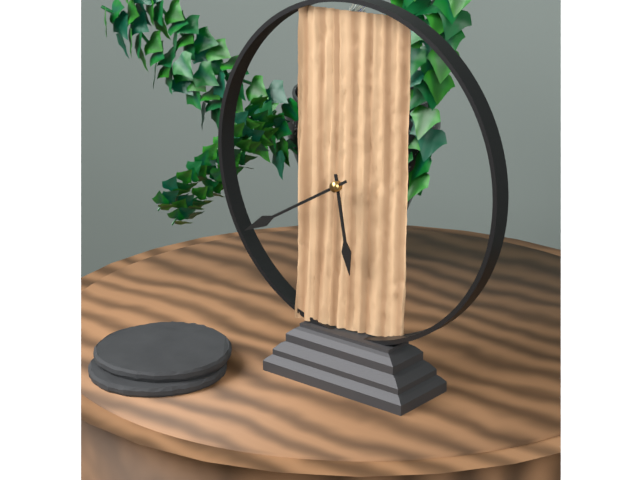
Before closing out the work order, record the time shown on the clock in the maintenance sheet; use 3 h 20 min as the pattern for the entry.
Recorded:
5 h 40 min
